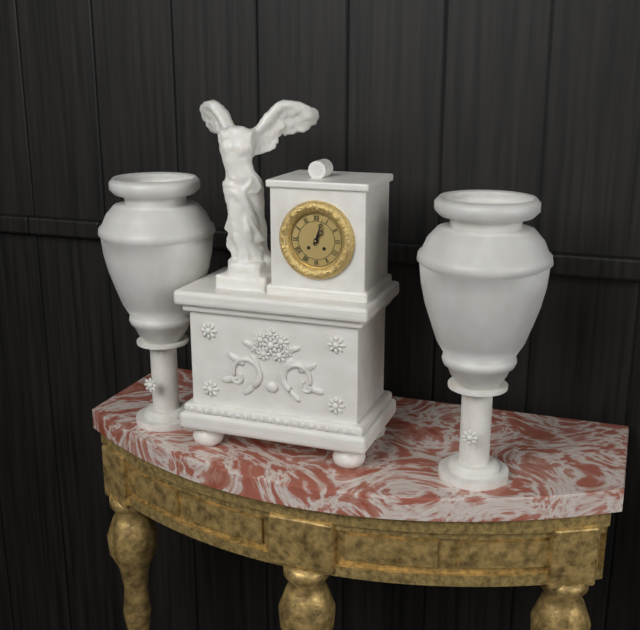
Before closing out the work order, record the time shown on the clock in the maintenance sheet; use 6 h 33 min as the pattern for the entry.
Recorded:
1 h 03 min
